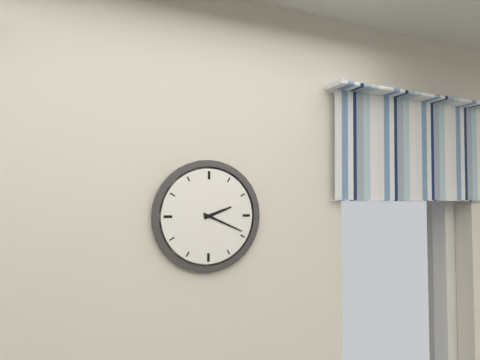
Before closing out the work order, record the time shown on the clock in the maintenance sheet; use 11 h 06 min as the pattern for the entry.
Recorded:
2 h 19 min
